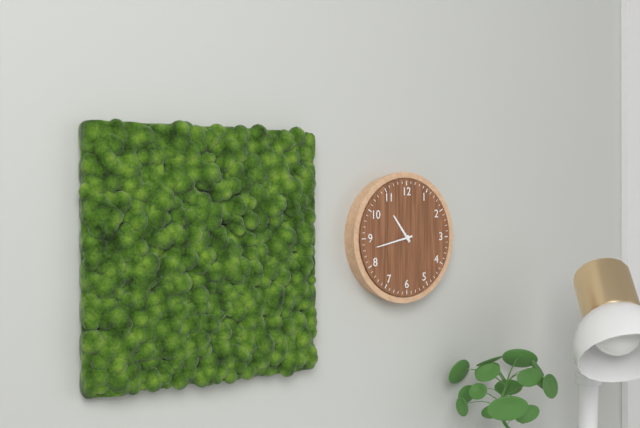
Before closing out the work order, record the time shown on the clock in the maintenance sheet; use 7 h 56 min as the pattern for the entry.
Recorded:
10 h 43 min
